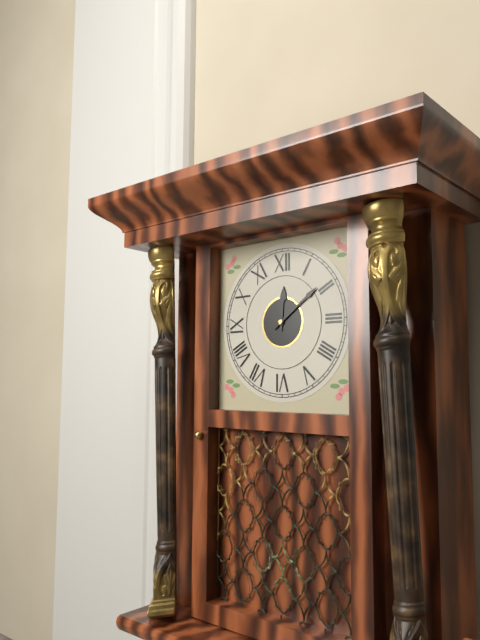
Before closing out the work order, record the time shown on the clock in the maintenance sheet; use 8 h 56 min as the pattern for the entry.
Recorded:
12 h 09 min
